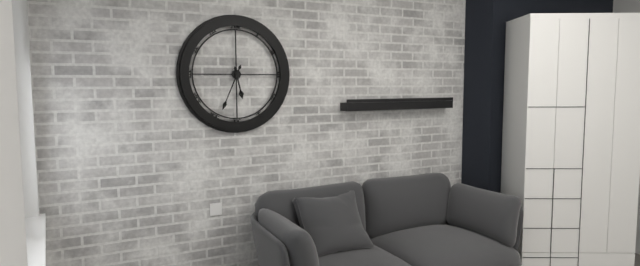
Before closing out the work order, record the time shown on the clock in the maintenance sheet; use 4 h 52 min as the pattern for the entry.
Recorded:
5 h 34 min
